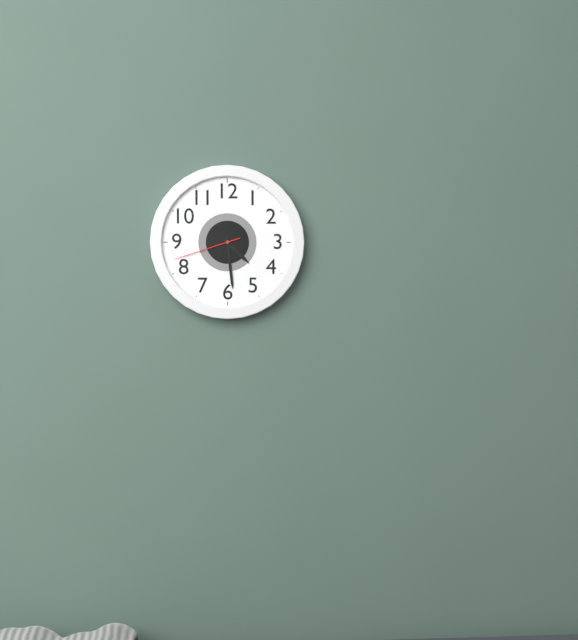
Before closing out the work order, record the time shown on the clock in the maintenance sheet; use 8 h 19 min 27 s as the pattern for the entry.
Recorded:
4 h 29 min 42 s
